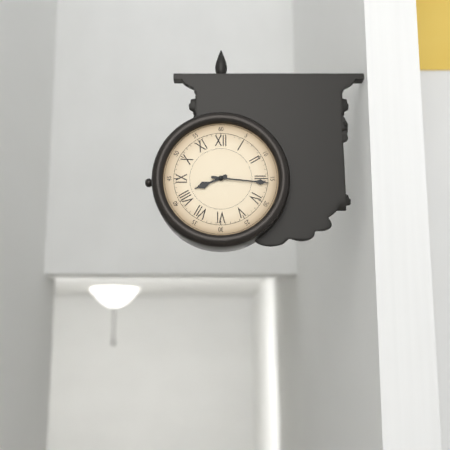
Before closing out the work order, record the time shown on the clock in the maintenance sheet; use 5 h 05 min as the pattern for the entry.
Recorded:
8 h 16 min
